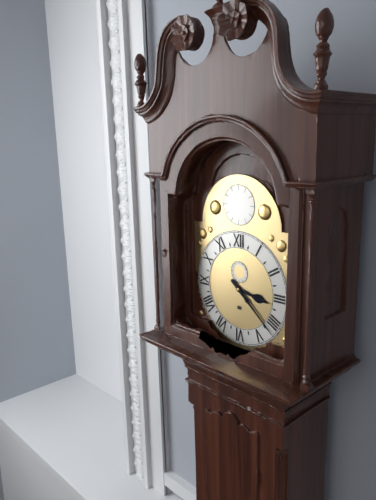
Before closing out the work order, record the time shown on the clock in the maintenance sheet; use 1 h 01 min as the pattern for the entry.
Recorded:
3 h 22 min
